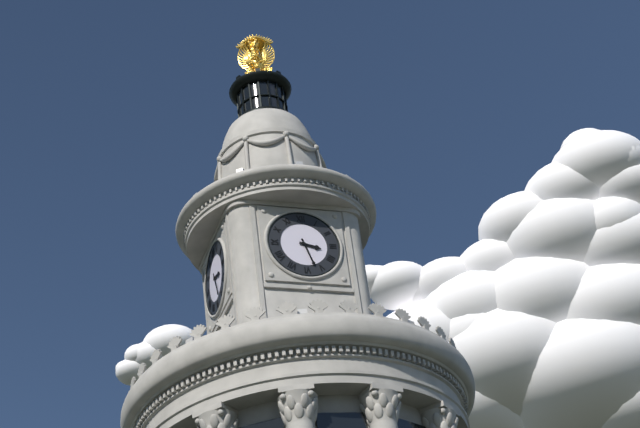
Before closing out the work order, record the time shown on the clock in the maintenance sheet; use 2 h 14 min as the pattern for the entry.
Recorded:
3 h 27 min
